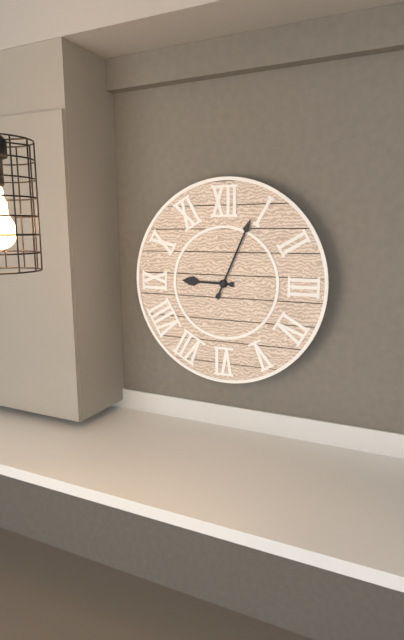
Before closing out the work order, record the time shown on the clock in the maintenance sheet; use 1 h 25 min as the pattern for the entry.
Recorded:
9 h 04 min
